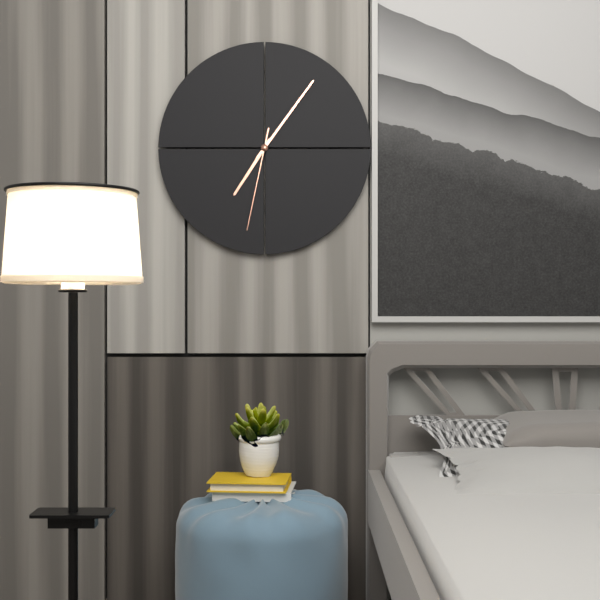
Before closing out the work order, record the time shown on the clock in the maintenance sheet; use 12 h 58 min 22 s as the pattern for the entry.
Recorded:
7 h 06 min 32 s
